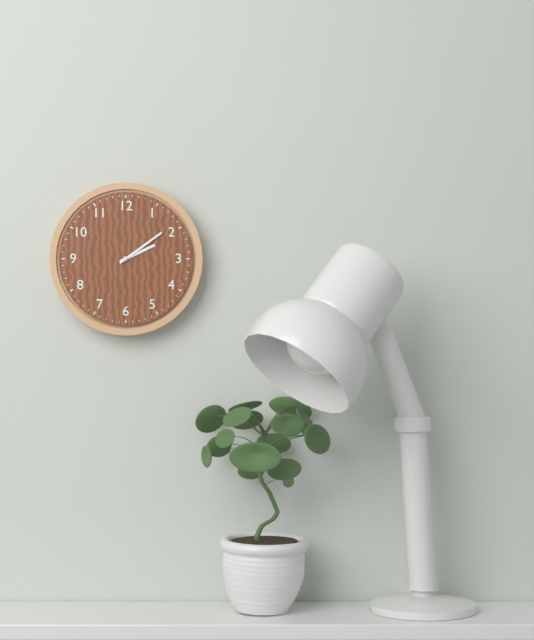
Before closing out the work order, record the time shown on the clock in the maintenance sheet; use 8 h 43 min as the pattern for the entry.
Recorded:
2 h 09 min
